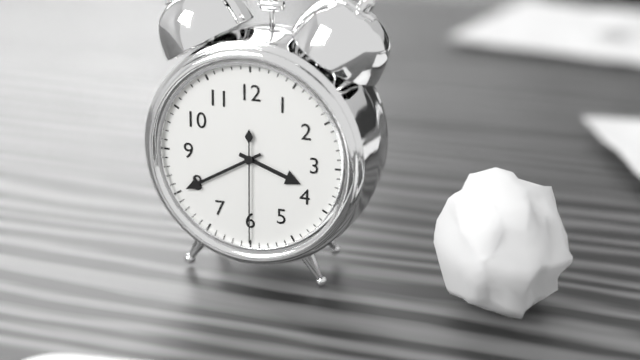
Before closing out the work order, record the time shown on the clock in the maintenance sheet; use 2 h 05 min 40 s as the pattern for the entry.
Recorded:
3 h 40 min 30 s
